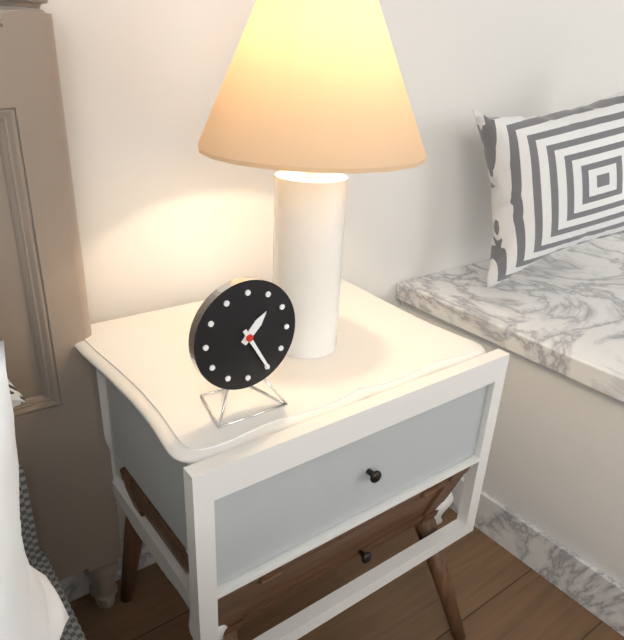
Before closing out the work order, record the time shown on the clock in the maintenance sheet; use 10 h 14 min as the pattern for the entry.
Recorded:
1 h 25 min
